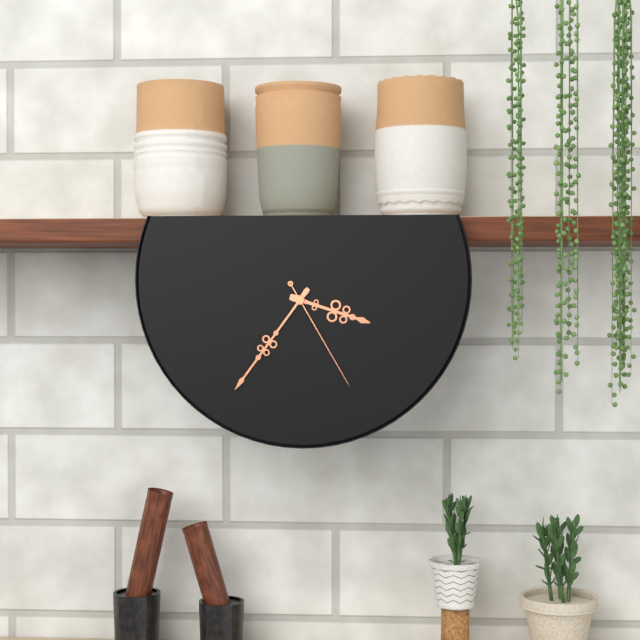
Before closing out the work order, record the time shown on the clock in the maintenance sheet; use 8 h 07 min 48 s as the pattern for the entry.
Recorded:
3 h 36 min 25 s
